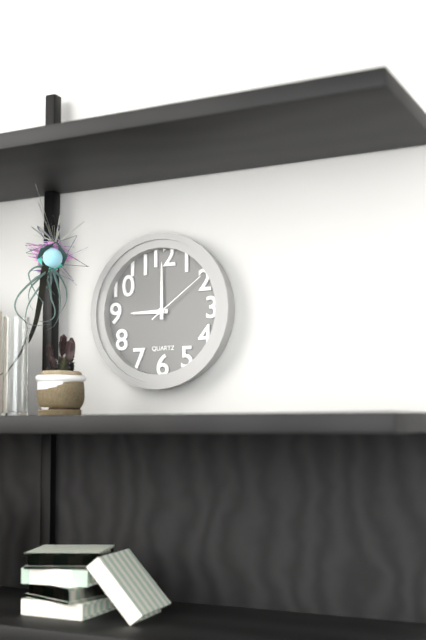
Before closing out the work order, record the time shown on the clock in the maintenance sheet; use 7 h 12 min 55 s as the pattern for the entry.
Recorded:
9 h 00 min 09 s
